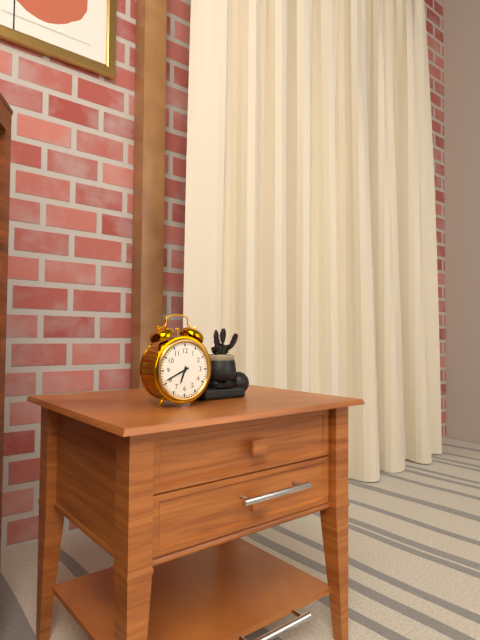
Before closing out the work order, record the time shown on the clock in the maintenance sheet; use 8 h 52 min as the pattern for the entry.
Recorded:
6 h 41 min
